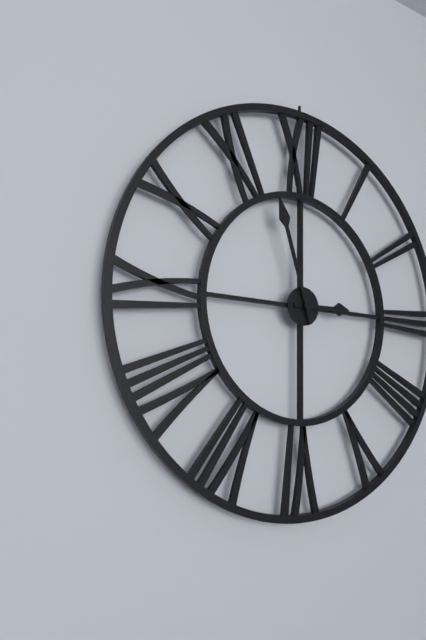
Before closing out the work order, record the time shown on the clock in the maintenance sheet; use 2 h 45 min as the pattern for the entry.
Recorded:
2 h 57 min
